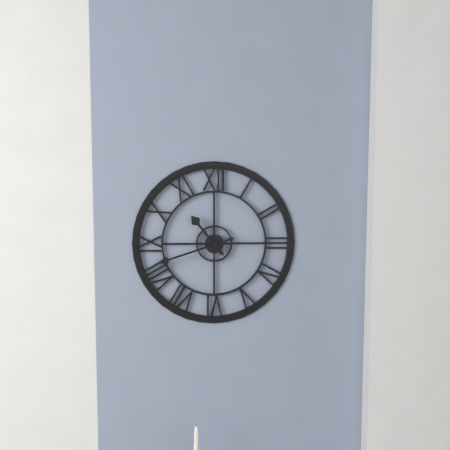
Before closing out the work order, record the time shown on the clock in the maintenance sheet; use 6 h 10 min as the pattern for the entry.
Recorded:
10 h 42 min
